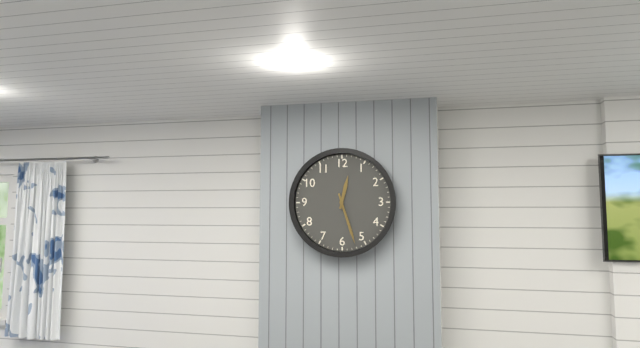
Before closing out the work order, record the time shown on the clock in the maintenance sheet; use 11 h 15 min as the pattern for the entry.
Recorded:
12 h 27 min
